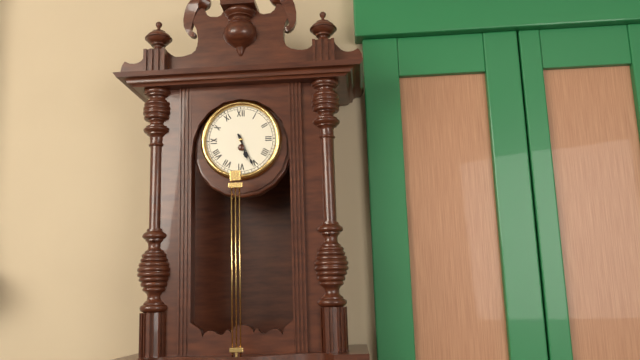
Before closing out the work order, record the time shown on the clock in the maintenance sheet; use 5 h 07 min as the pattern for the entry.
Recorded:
5 h 26 min
